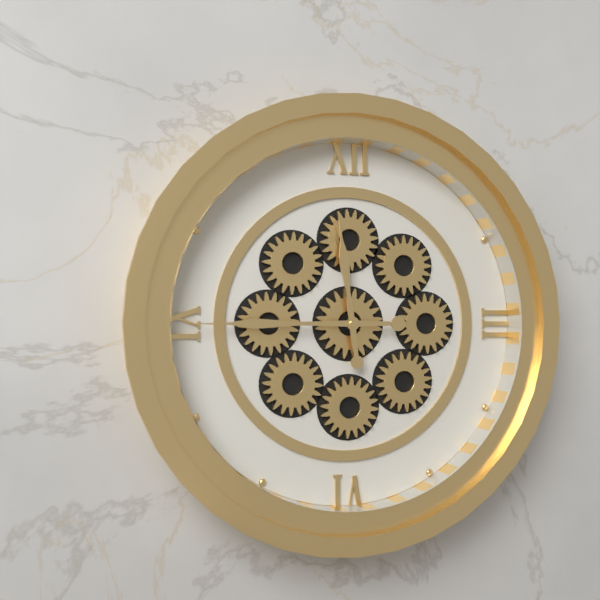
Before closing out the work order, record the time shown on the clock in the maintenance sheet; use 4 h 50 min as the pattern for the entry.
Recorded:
11 h 45 min
